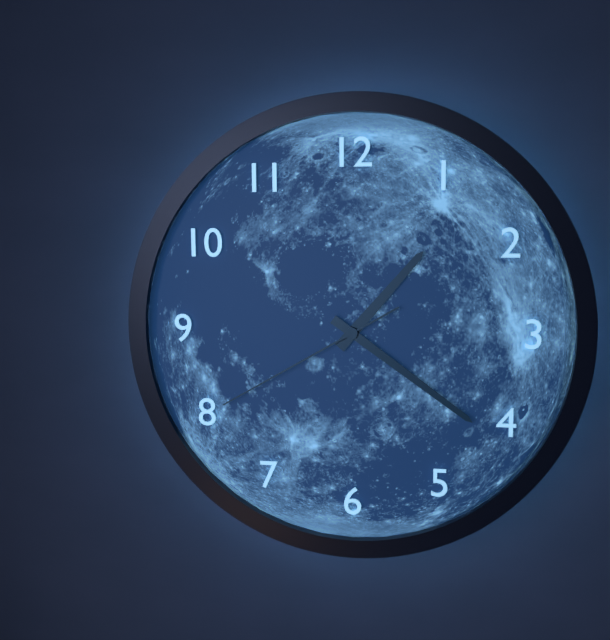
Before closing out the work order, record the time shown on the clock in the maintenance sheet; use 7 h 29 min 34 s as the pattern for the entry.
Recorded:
1 h 21 min 40 s
